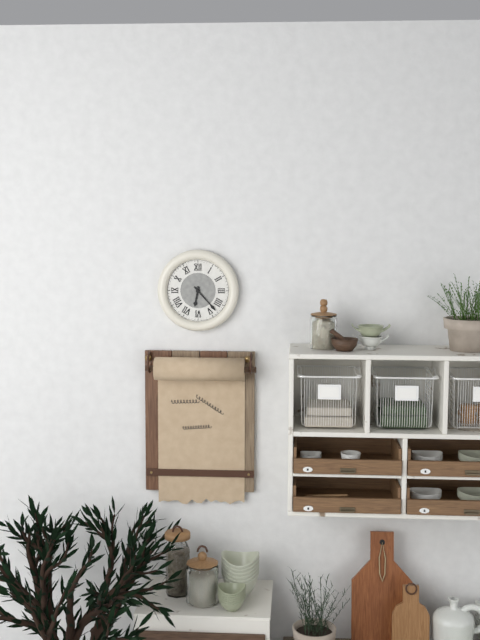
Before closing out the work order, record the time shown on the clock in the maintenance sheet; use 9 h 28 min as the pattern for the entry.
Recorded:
6 h 23 min
